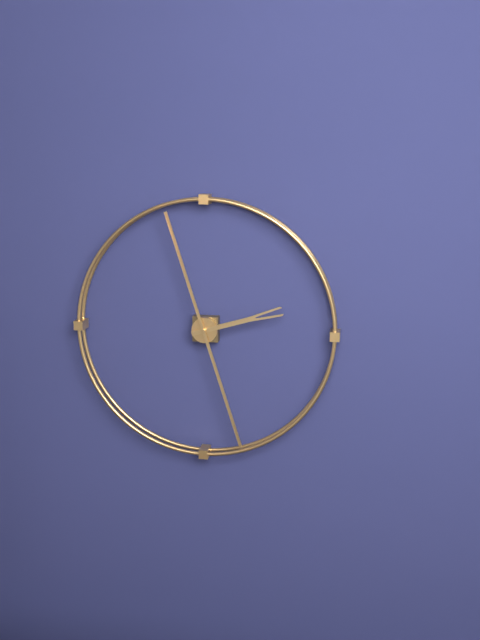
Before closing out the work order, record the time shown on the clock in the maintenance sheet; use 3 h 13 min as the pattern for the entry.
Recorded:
2 h 27 min
